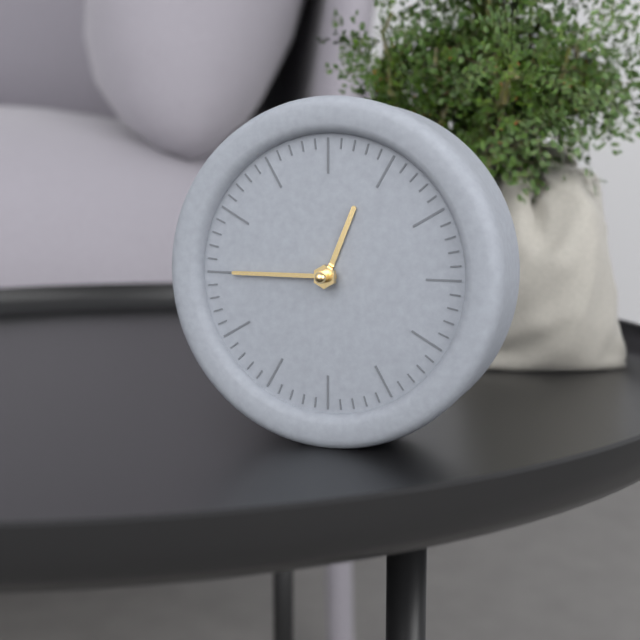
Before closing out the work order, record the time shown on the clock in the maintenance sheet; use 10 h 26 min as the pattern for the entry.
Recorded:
12 h 45 min
